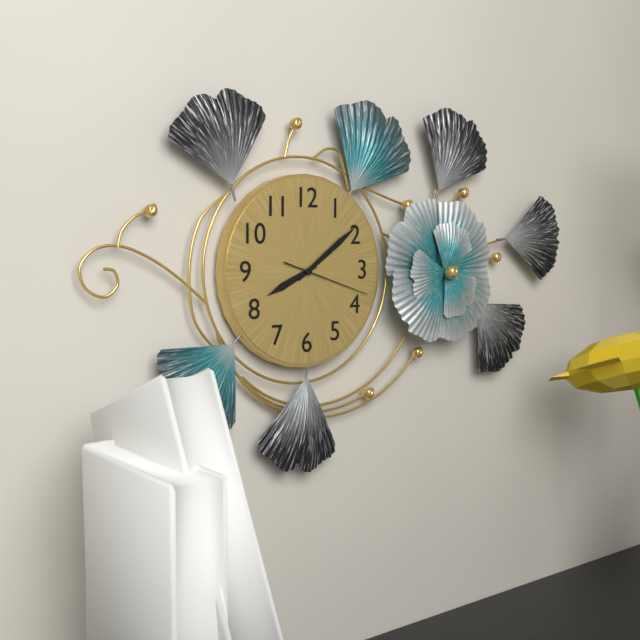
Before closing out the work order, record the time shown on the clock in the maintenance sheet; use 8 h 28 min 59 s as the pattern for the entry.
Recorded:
8 h 09 min 18 s
